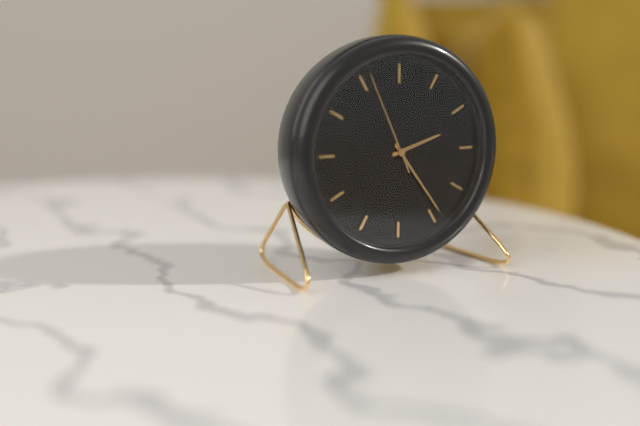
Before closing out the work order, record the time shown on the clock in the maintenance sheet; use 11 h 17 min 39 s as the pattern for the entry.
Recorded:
2 h 24 min 56 s
